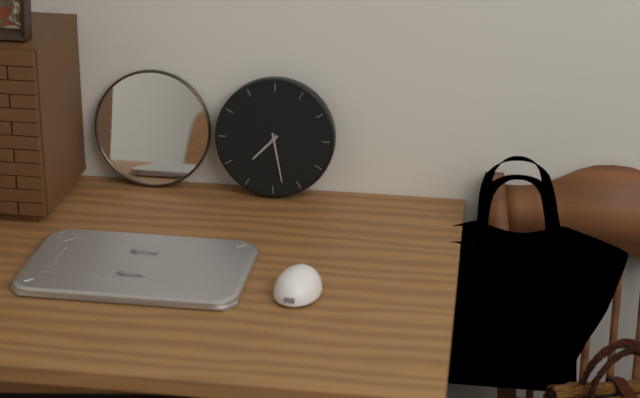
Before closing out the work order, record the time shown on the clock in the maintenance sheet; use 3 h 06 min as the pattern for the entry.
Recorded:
7 h 28 min
